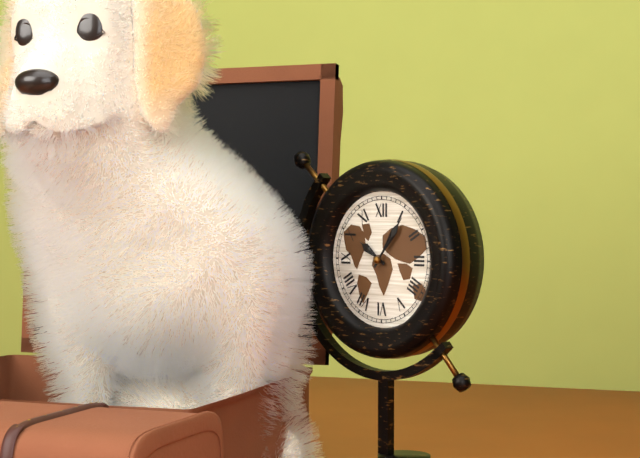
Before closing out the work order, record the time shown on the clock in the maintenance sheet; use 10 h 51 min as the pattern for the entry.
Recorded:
10 h 06 min
